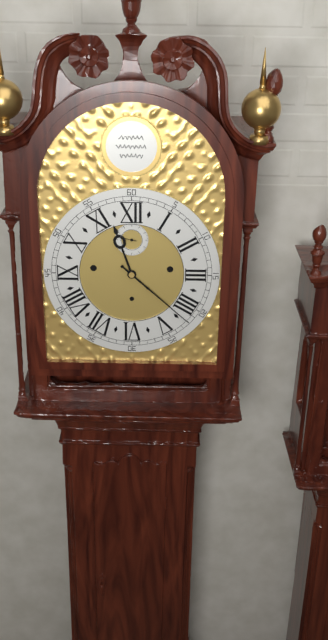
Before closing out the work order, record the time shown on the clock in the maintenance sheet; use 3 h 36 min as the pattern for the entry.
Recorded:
11 h 22 min
